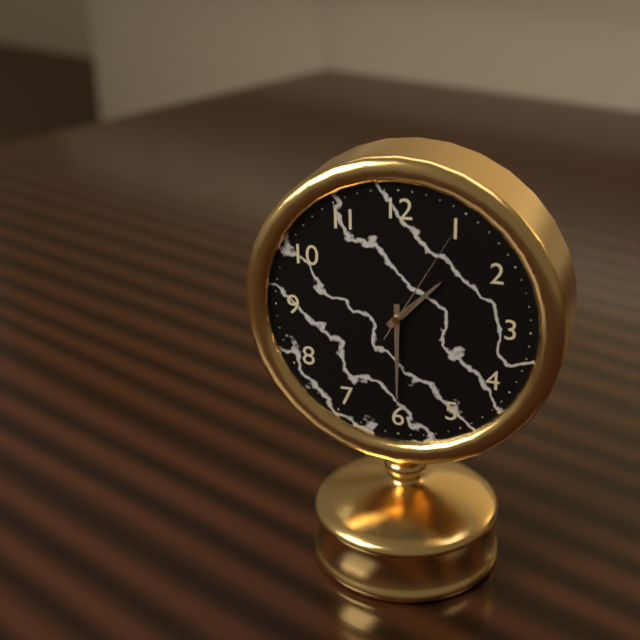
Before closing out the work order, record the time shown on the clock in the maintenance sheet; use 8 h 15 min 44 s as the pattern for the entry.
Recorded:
1 h 30 min 05 s
